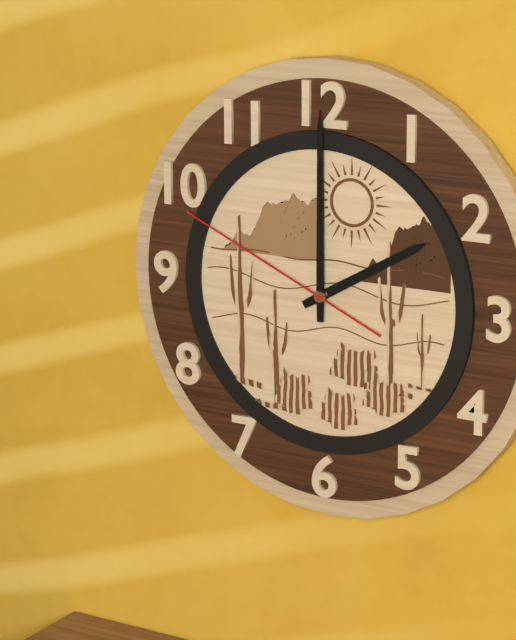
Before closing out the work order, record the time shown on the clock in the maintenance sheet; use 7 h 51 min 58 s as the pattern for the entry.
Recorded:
2 h 00 min 49 s
